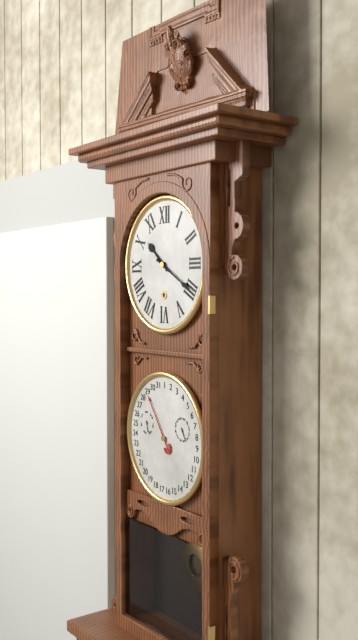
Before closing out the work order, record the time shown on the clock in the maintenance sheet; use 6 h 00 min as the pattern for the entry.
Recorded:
10 h 20 min
